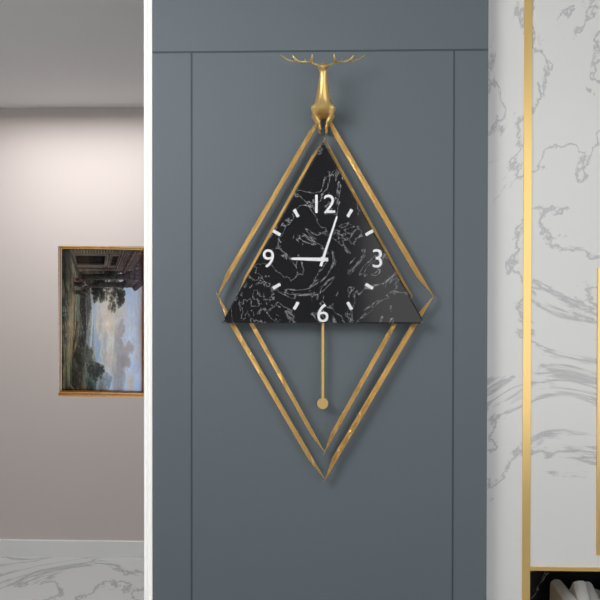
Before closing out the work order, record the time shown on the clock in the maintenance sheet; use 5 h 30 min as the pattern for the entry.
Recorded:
9 h 03 min
